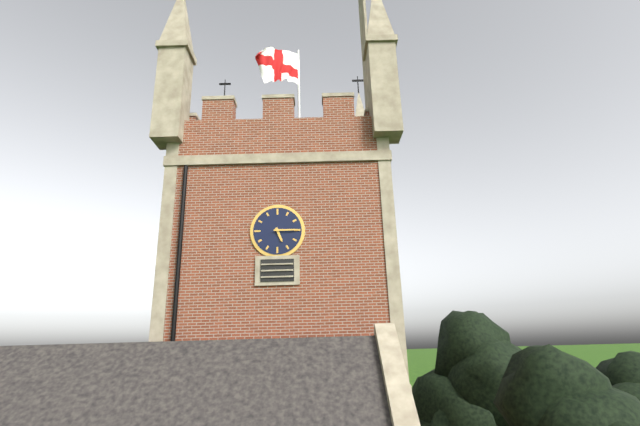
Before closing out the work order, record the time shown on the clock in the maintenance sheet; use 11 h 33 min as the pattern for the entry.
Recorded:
5 h 15 min
